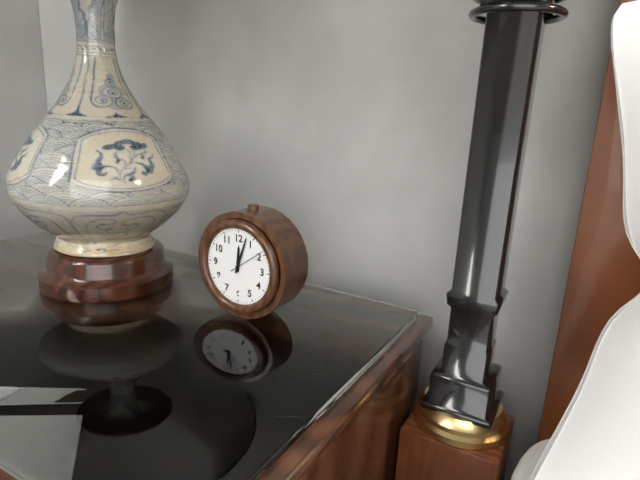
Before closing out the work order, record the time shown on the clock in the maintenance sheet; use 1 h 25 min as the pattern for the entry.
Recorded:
12 h 03 min
